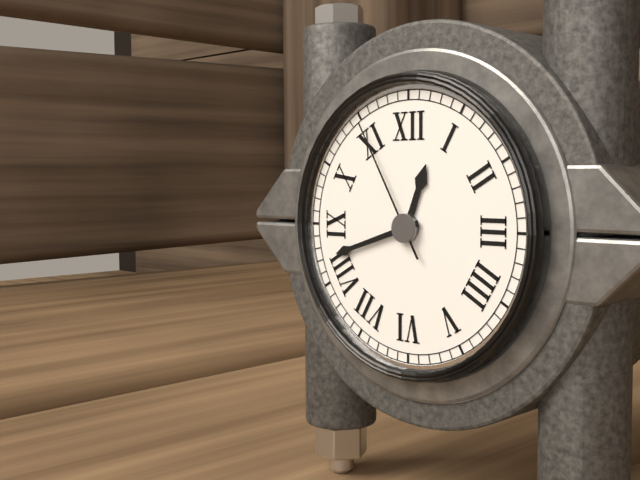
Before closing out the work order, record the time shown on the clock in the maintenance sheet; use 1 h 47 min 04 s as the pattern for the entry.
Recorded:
12 h 42 min 55 s
